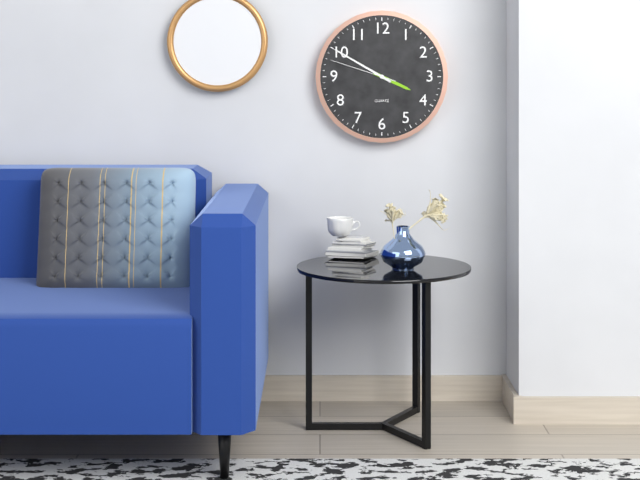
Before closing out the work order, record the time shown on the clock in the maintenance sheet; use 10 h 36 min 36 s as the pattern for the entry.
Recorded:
3 h 50 min 48 s
